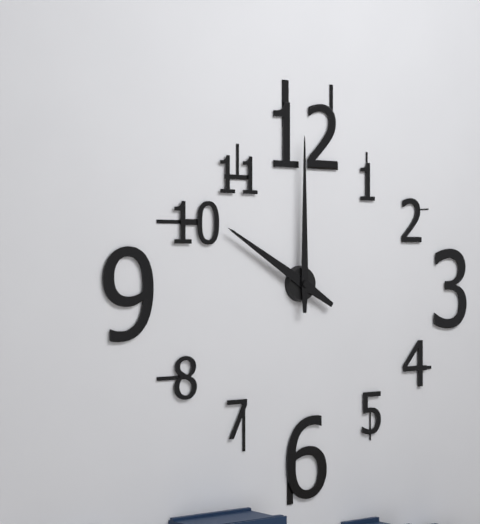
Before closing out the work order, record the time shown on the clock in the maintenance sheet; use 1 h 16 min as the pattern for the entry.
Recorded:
10 h 00 min
